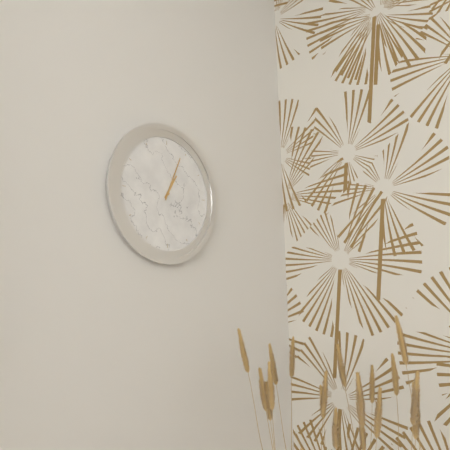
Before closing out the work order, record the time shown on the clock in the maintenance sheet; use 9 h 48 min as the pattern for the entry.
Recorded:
1 h 04 min
